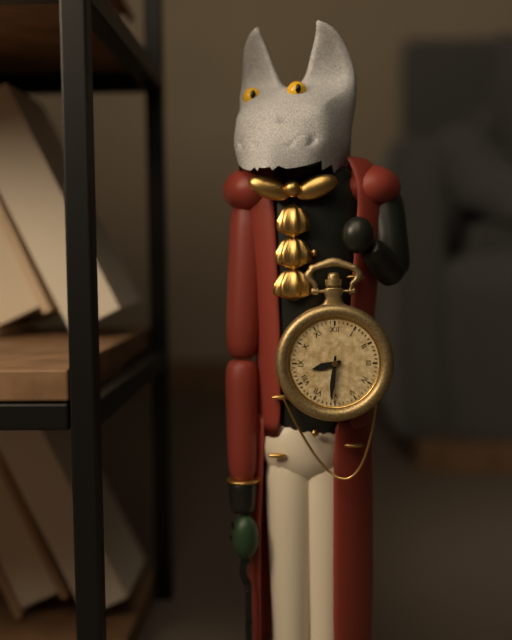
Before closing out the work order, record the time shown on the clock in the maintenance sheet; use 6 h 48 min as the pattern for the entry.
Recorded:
8 h 31 min
